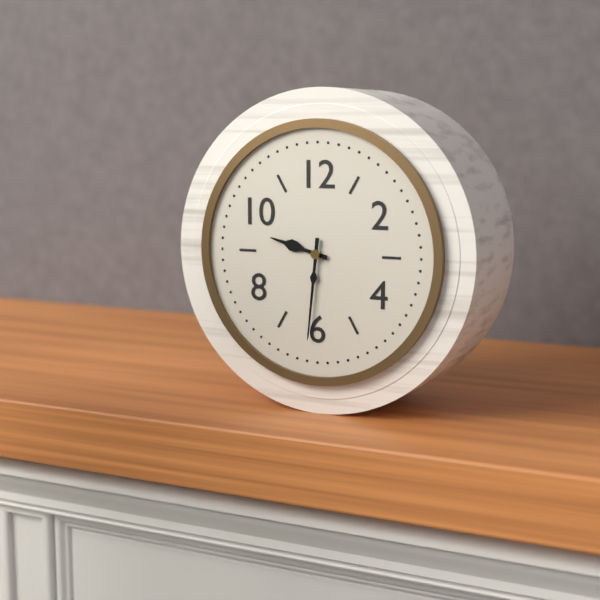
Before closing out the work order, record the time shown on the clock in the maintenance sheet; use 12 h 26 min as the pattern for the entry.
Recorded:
9 h 31 min
